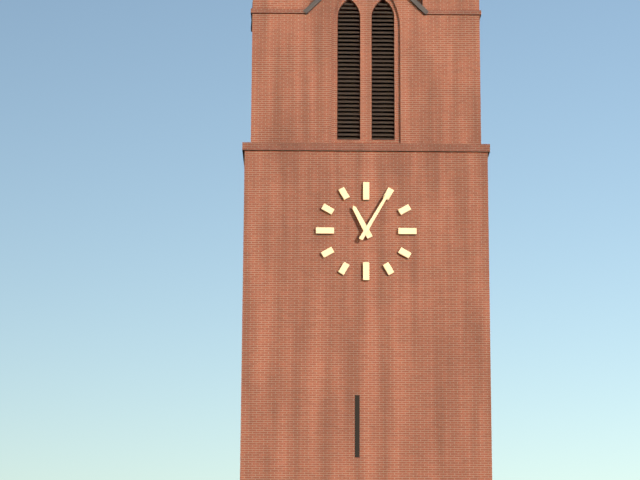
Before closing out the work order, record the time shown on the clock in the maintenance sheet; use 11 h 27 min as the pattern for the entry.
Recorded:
11 h 05 min
